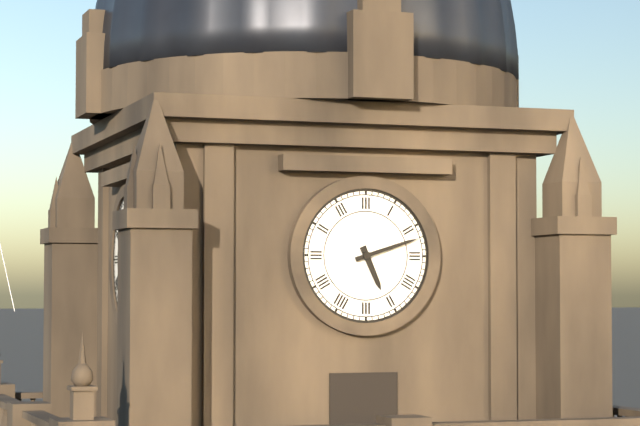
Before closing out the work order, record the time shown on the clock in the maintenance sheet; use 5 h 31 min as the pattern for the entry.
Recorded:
5 h 12 min
